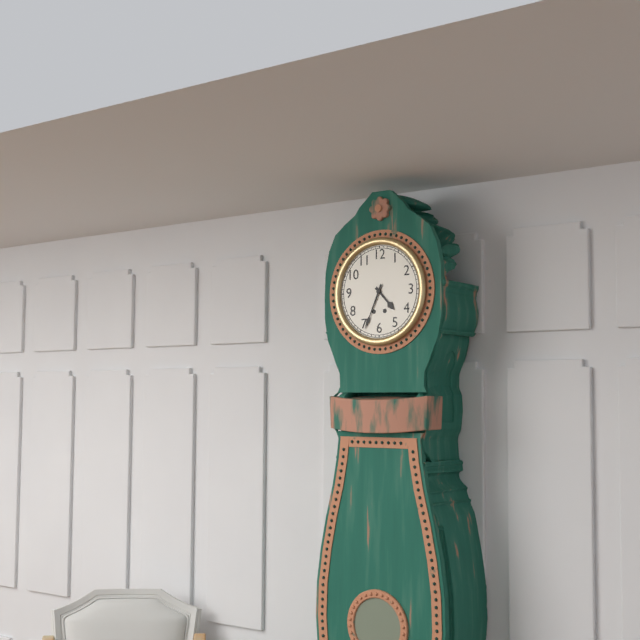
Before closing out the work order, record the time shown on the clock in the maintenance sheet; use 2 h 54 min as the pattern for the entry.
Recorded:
4 h 34 min
